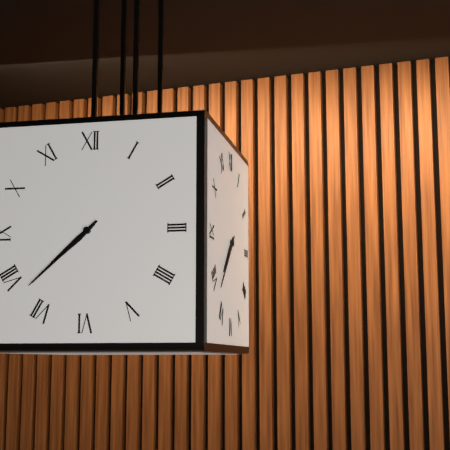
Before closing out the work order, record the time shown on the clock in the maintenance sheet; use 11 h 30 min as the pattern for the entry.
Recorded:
7 h 38 min
